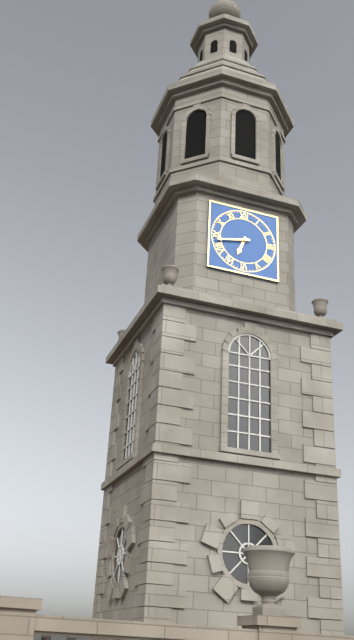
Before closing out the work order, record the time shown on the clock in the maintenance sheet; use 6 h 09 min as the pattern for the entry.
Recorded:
6 h 43 min
